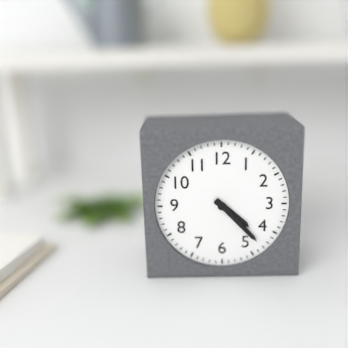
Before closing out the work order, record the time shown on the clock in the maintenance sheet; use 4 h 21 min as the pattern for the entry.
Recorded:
4 h 23 min
